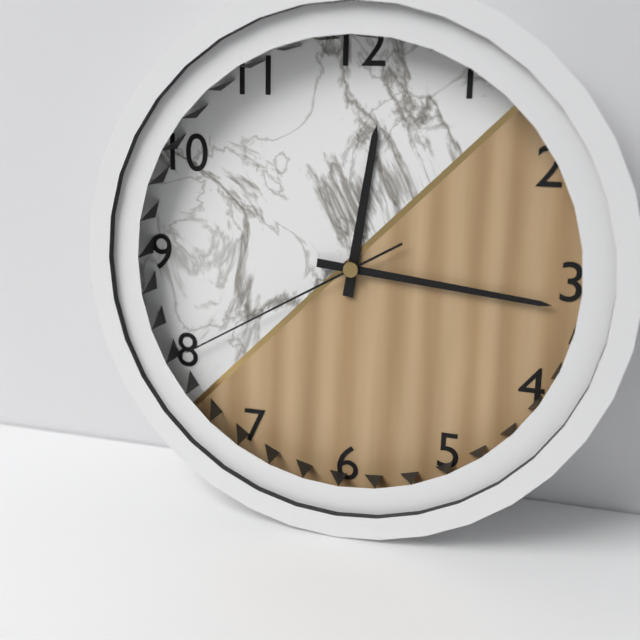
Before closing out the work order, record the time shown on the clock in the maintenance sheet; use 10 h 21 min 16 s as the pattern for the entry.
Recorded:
12 h 16 min 40 s
